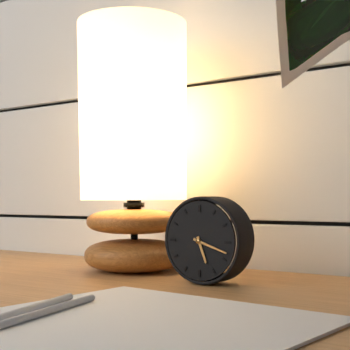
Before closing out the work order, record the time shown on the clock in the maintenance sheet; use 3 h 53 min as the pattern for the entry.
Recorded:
5 h 18 min
